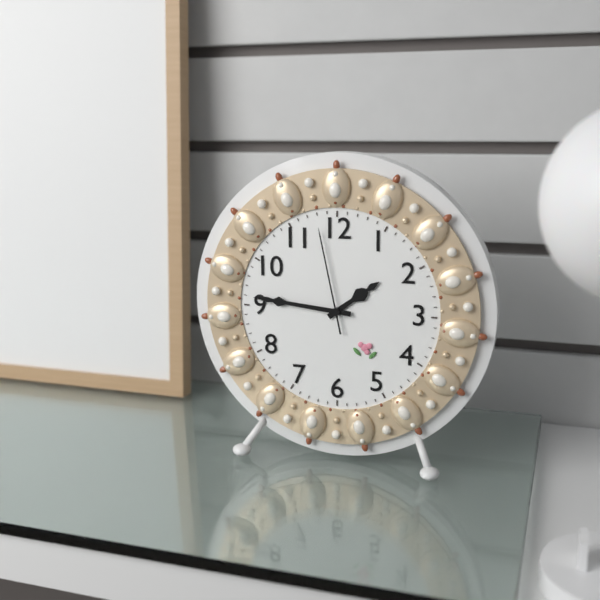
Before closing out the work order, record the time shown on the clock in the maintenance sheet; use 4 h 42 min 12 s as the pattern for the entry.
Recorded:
1 h 46 min 58 s
